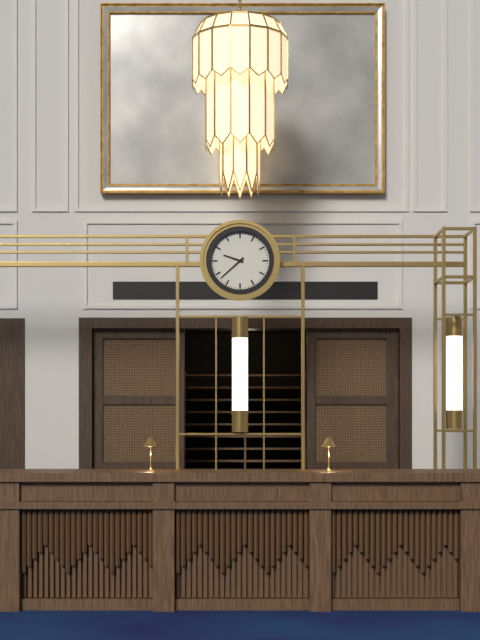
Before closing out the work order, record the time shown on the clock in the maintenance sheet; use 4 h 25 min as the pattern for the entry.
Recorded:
9 h 38 min
